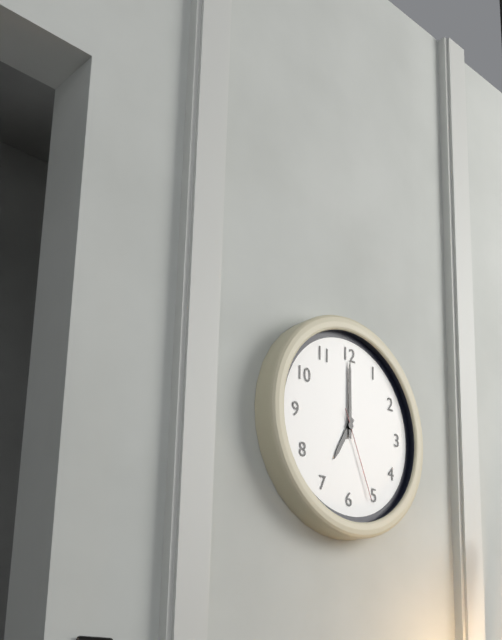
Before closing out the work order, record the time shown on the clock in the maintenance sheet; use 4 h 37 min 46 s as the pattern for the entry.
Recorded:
7 h 00 min 26 s
